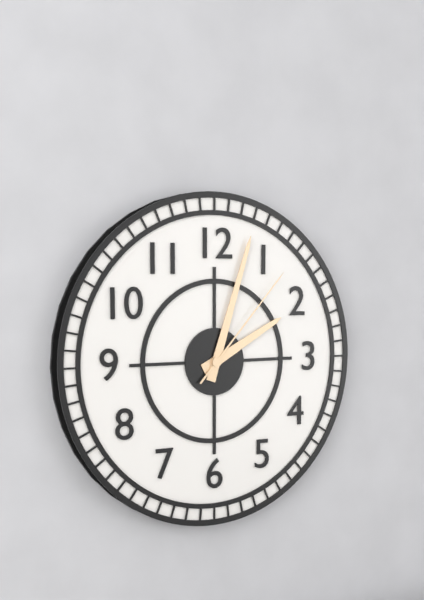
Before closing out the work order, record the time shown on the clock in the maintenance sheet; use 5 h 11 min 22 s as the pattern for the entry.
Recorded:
2 h 03 min 07 s
